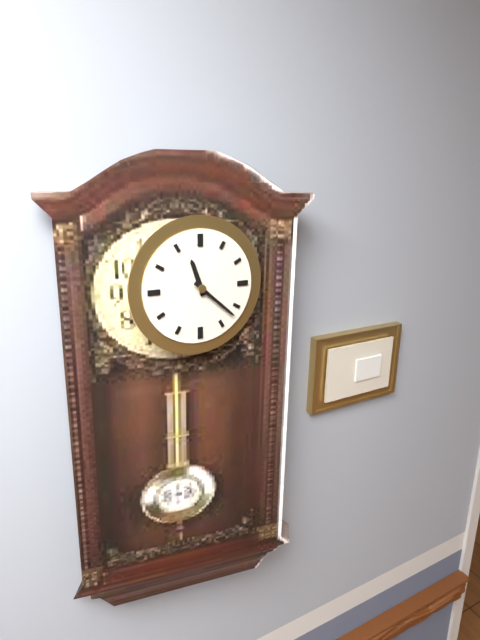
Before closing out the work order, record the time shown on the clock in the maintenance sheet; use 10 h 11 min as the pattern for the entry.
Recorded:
11 h 22 min
